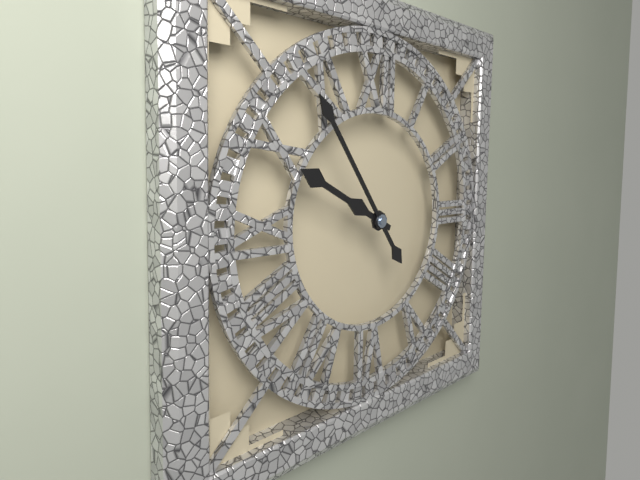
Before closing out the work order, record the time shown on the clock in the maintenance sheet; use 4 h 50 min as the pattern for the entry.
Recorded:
9 h 54 min
